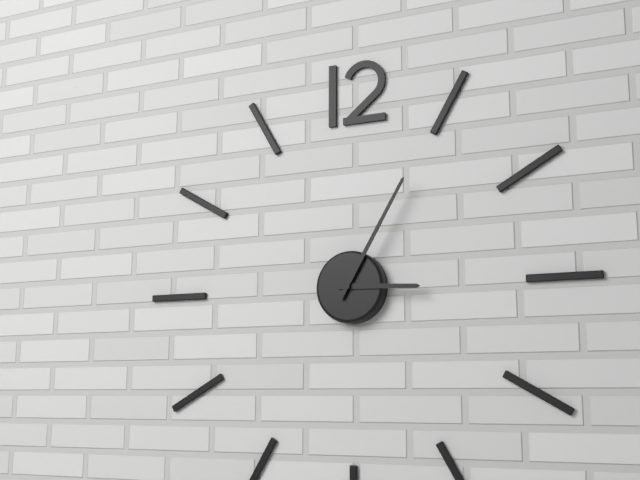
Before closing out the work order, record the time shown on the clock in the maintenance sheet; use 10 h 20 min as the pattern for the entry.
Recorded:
3 h 05 min
